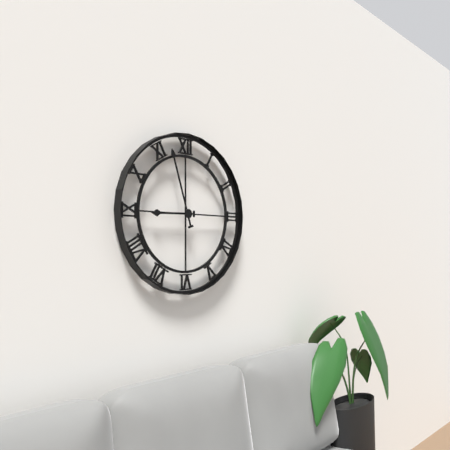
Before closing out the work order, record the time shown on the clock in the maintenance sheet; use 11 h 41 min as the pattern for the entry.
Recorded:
8 h 57 min
